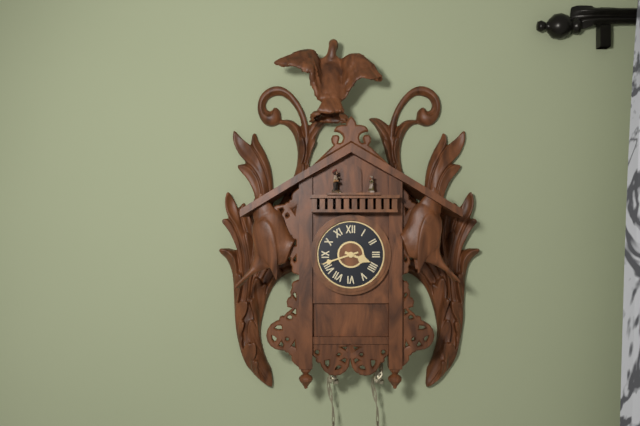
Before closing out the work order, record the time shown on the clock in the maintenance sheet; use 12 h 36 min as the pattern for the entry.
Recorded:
3 h 42 min
